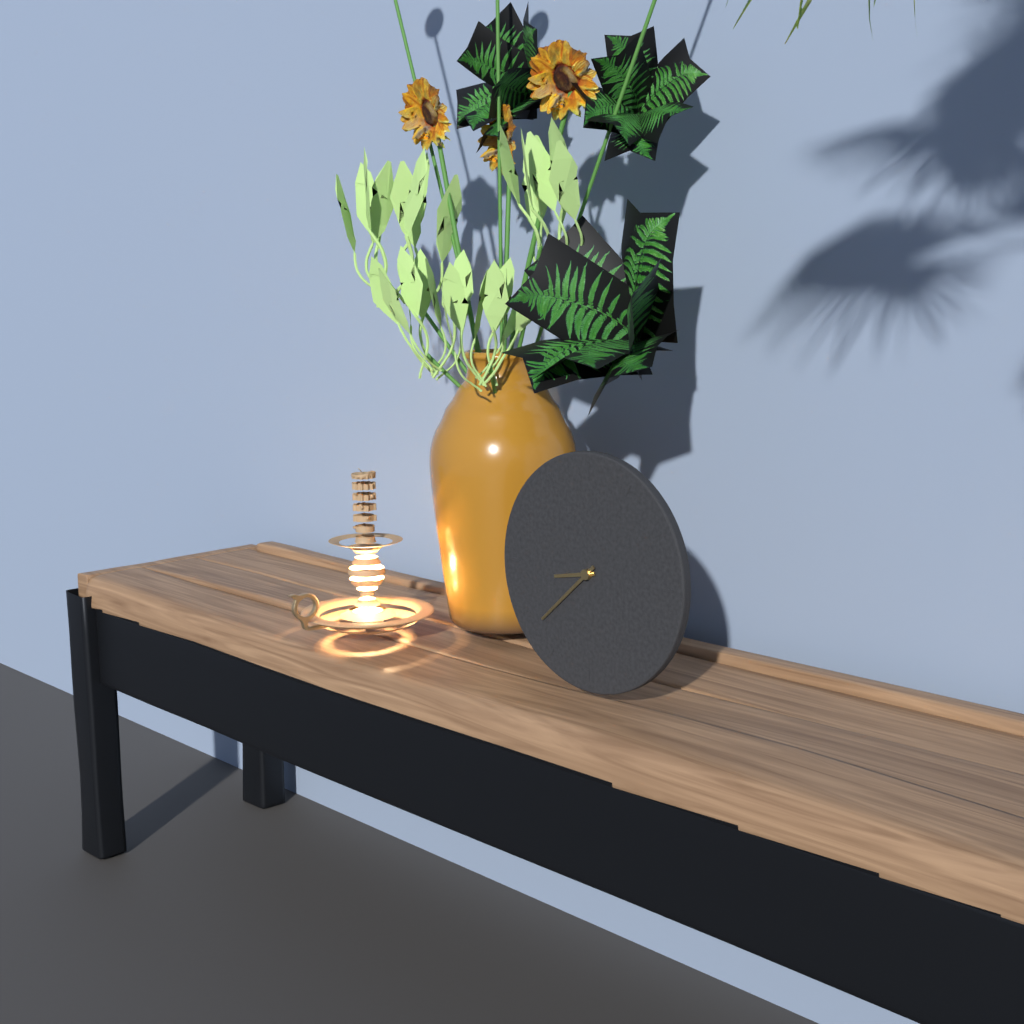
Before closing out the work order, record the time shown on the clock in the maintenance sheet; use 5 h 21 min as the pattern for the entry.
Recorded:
8 h 38 min
